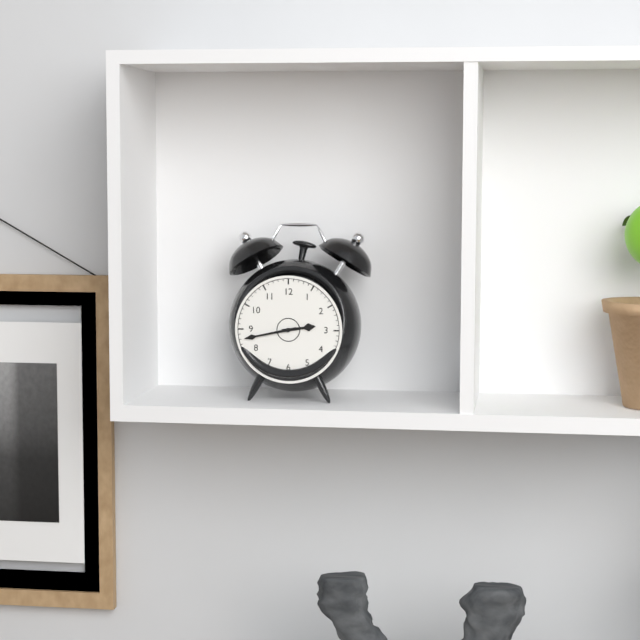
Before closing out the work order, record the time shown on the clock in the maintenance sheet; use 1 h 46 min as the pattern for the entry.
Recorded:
2 h 43 min
